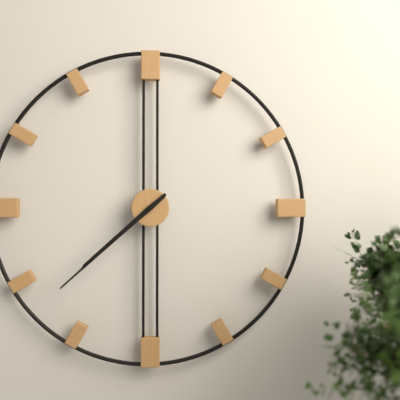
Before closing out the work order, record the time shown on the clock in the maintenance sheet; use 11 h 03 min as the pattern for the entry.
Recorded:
7 h 38 min
